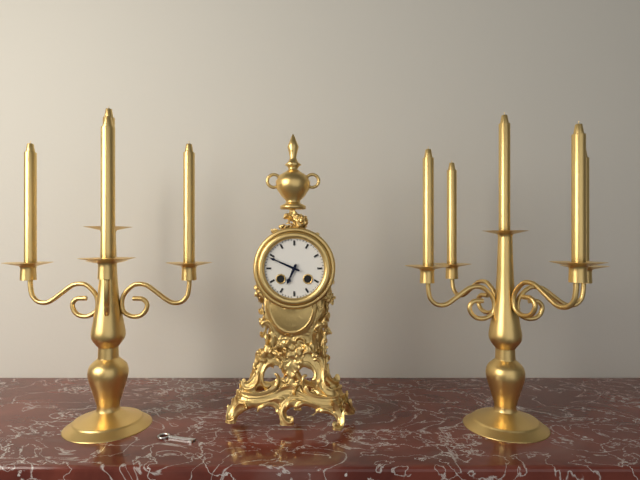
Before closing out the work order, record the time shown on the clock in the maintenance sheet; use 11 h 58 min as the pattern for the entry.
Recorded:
6 h 49 min
